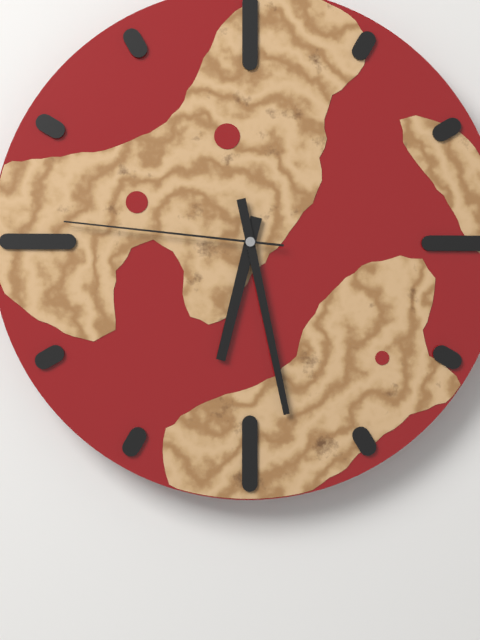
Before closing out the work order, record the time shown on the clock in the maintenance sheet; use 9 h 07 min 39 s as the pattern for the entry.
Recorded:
6 h 28 min 46 s
